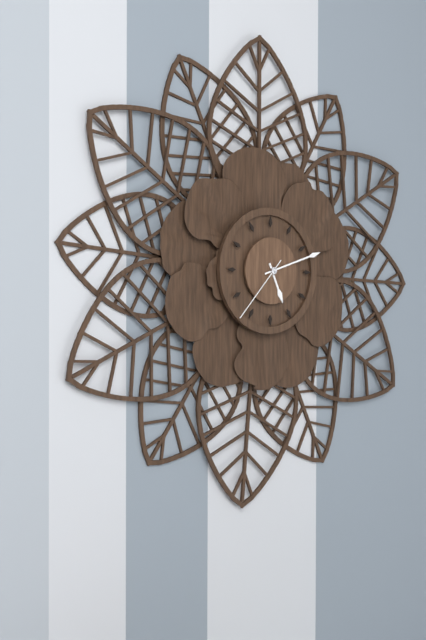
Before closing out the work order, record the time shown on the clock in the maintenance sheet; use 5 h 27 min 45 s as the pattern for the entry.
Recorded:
5 h 12 min 37 s
